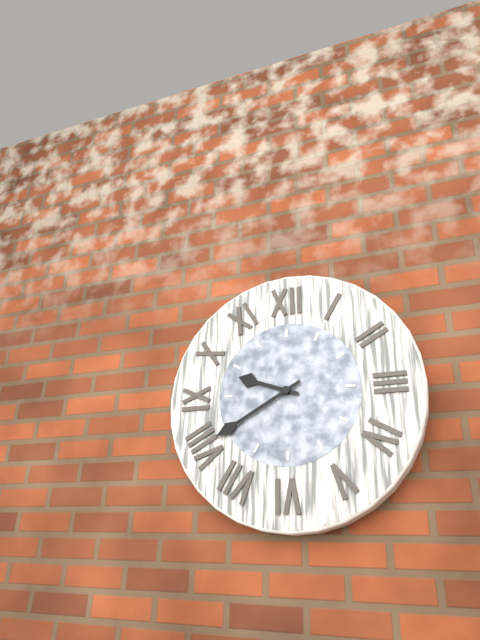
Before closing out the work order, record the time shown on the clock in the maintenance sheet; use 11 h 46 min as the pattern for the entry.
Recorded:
9 h 40 min
